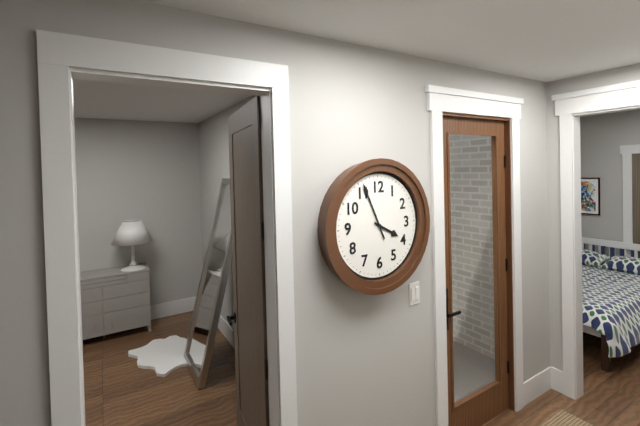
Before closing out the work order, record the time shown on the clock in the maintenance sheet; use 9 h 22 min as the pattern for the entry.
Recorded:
3 h 56 min
